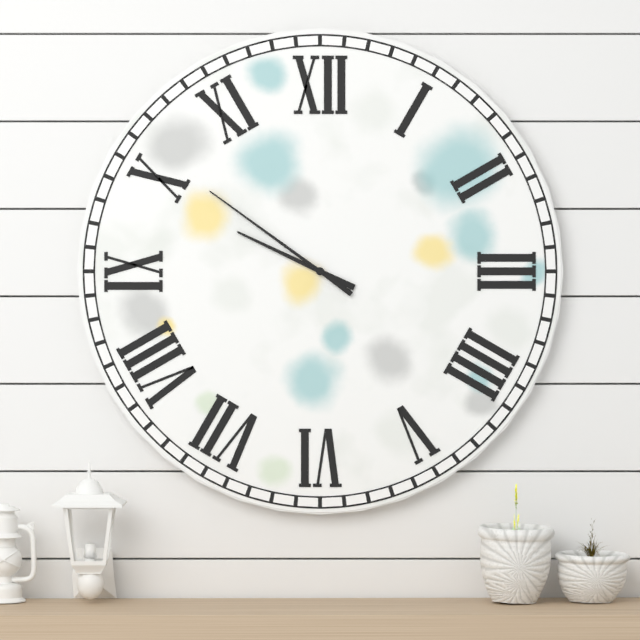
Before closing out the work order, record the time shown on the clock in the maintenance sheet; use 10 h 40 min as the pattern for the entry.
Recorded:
9 h 51 min
